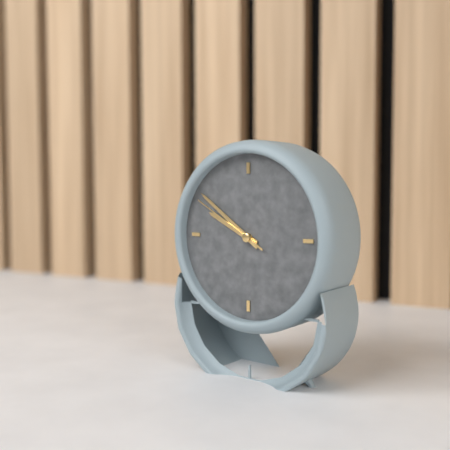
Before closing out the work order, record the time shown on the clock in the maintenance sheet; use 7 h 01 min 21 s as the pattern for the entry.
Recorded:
9 h 51 min 50 s
